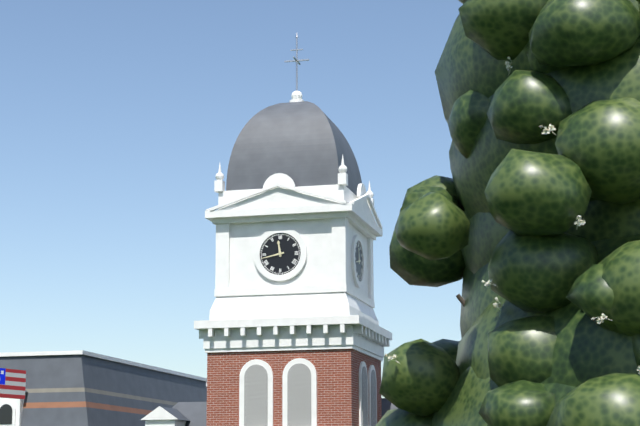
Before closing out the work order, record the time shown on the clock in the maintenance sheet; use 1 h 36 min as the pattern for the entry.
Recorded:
11 h 43 min
